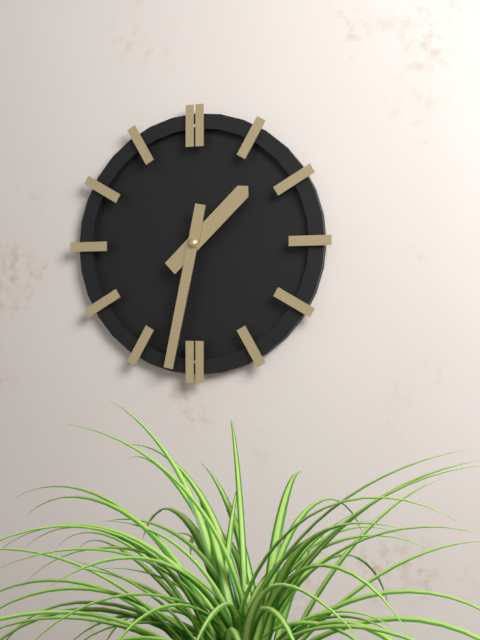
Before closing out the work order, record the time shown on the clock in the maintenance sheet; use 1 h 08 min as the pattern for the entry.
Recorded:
1 h 32 min
